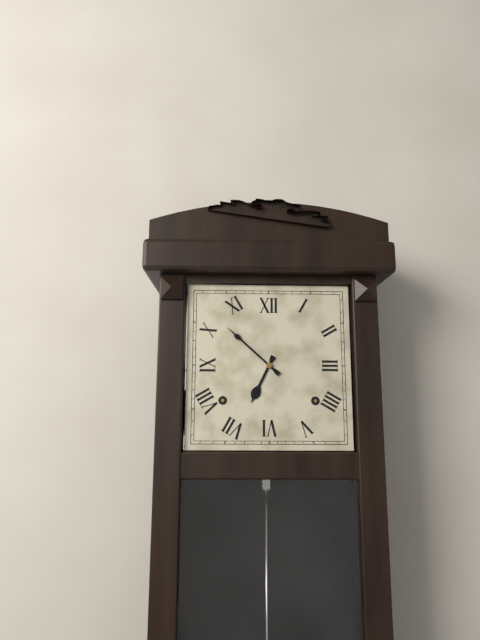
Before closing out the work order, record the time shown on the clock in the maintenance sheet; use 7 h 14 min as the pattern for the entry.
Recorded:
6 h 52 min
